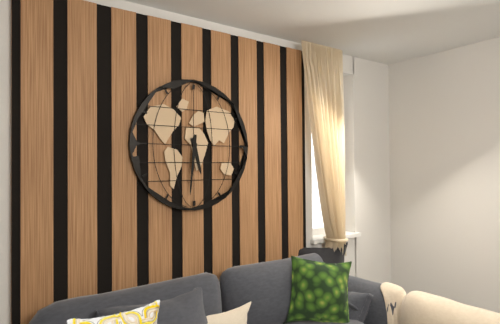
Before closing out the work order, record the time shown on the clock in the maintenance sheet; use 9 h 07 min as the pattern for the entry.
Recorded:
5 h 31 min
